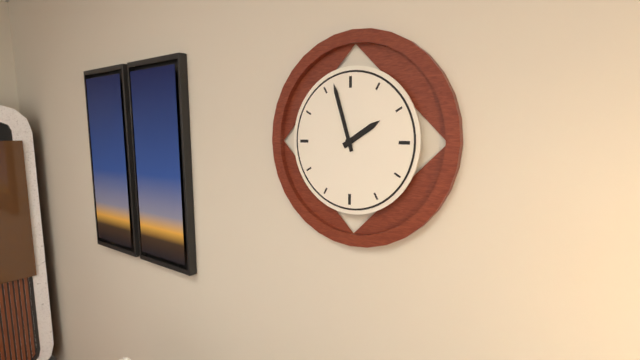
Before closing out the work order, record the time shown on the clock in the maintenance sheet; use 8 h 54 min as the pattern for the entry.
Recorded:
1 h 57 min
